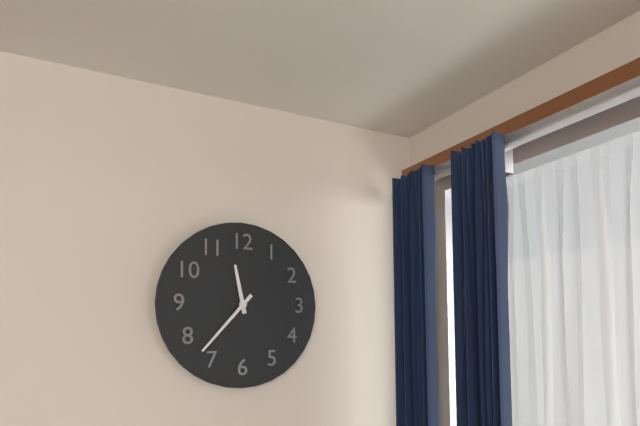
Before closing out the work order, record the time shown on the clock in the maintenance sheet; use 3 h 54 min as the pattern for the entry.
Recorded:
11 h 37 min
